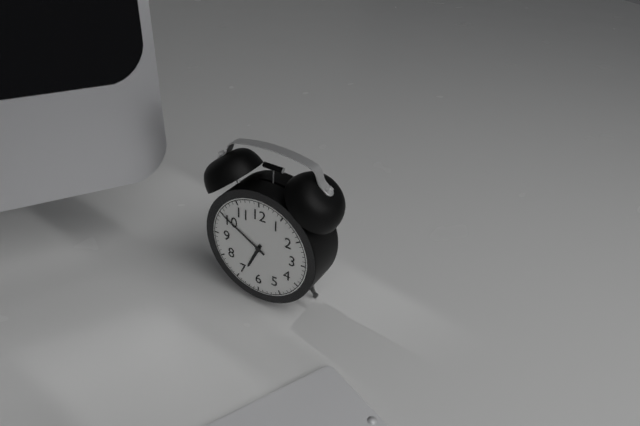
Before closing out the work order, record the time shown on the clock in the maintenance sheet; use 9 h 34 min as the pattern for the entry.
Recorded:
6 h 50 min
